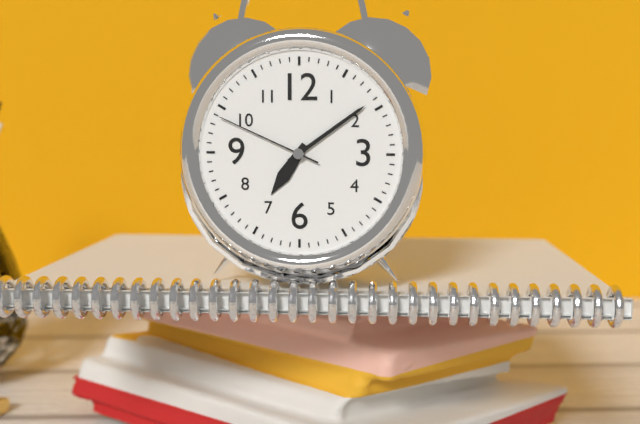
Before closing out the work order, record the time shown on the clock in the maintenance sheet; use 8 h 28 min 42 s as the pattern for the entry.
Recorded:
7 h 09 min 49 s
